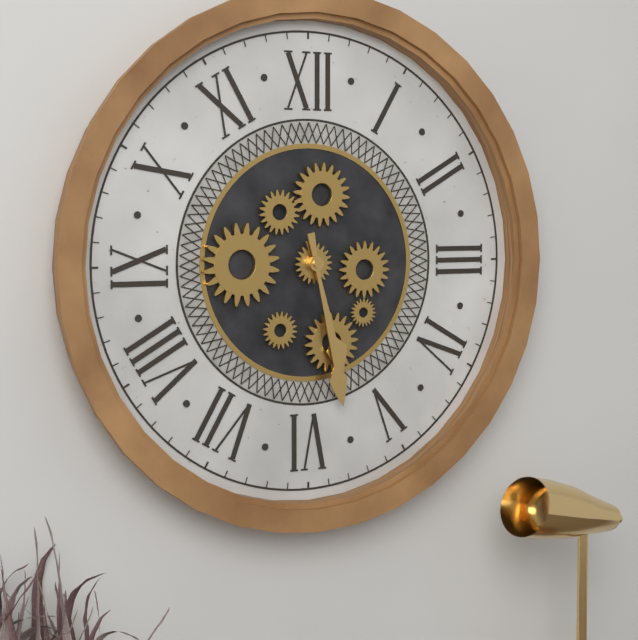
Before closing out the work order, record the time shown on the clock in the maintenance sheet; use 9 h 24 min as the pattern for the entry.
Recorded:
5 h 28 min
